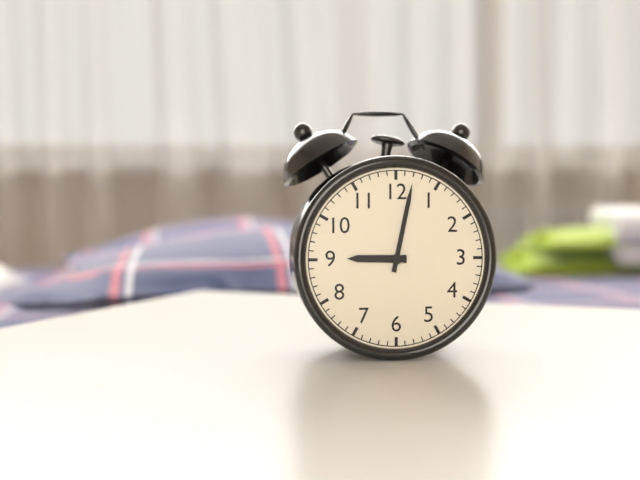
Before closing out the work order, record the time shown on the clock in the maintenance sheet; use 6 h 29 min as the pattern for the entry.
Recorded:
9 h 02 min
